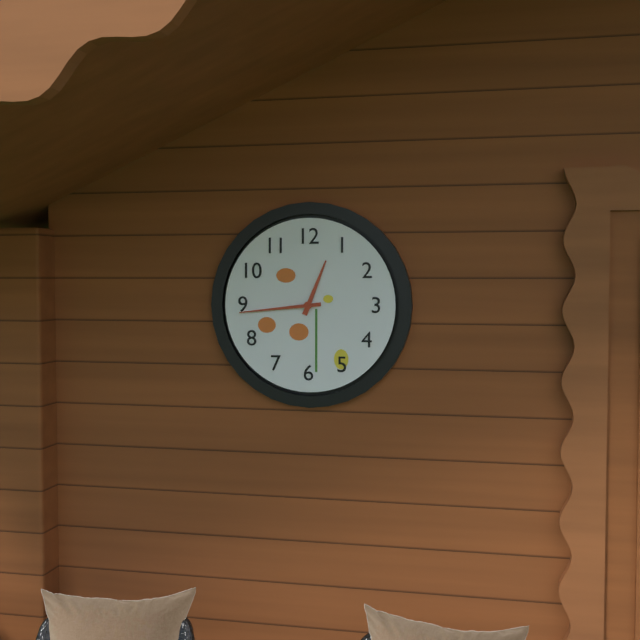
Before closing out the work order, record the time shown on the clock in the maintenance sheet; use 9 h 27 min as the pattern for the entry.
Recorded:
12 h 44 min
